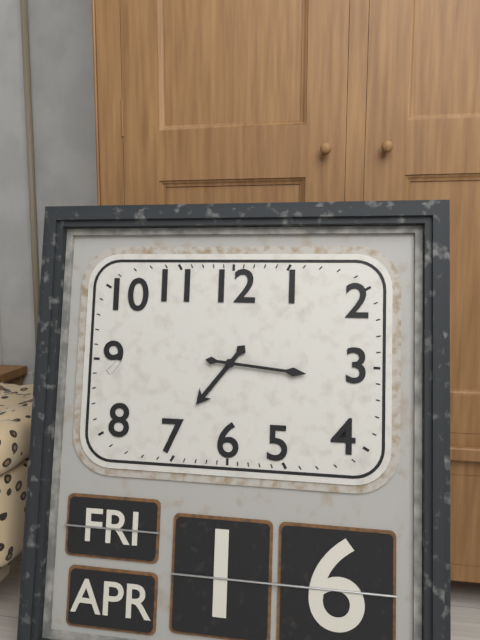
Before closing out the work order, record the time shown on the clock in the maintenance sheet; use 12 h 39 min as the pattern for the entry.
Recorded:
7 h 16 min
